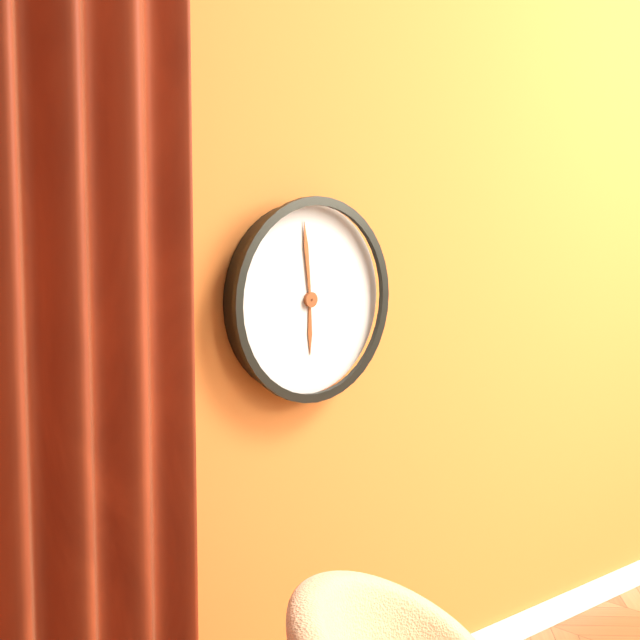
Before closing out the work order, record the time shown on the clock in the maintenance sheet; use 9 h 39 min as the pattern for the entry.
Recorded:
5 h 59 min
